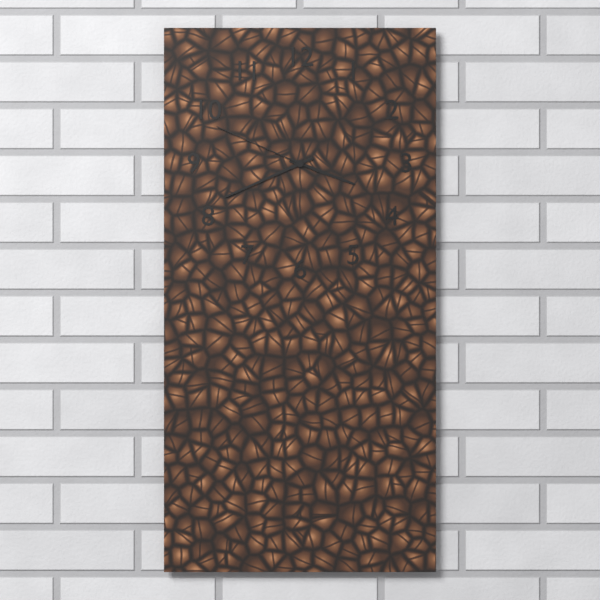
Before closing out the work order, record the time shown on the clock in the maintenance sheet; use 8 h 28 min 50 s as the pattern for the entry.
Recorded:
3 h 41 min 49 s
